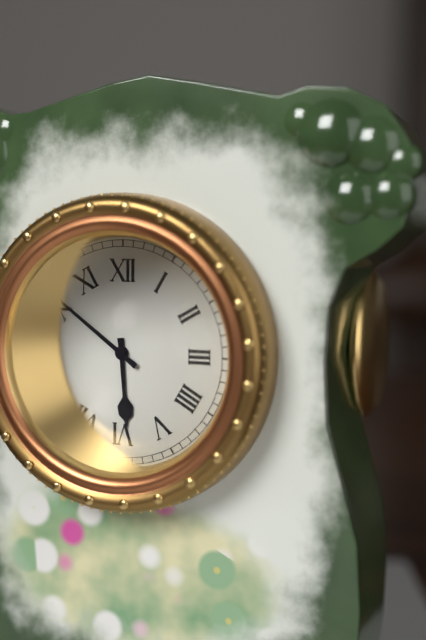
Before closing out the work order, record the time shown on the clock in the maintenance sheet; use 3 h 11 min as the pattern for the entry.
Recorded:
5 h 51 min
